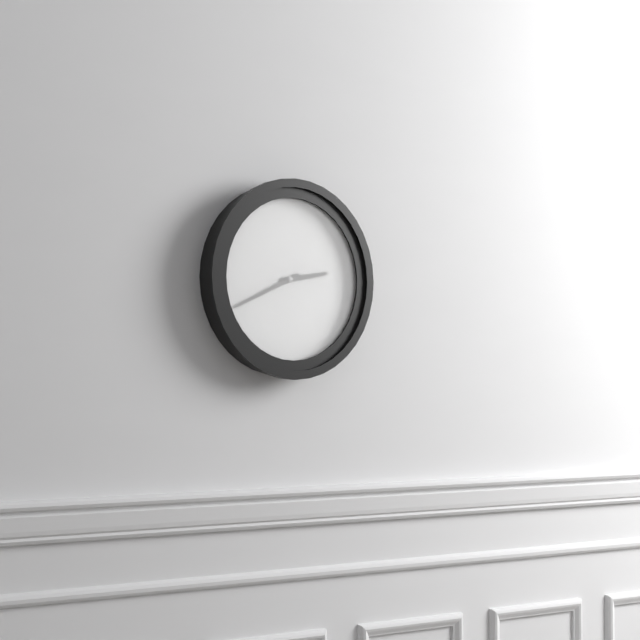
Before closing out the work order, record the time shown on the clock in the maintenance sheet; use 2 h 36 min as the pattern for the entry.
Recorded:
2 h 41 min
